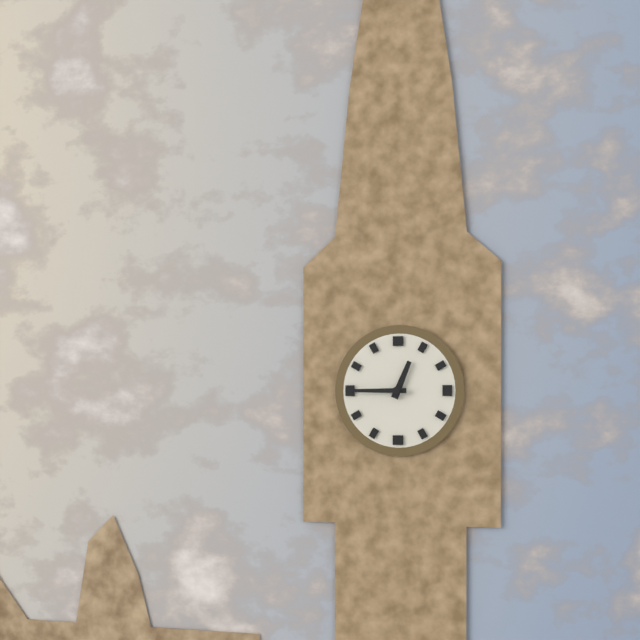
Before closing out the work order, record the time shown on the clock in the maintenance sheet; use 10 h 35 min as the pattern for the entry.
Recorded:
12 h 45 min
